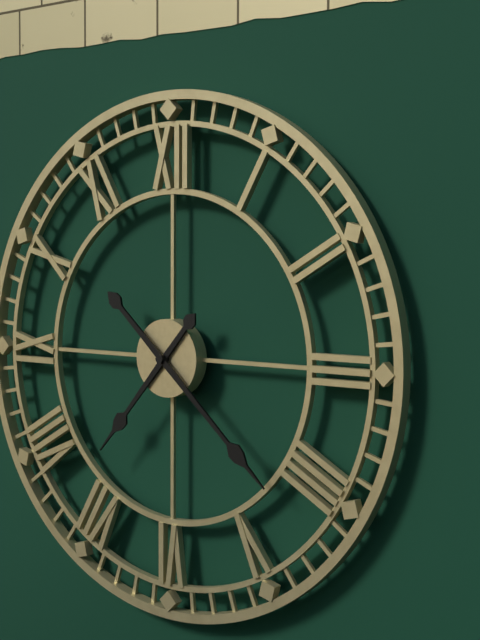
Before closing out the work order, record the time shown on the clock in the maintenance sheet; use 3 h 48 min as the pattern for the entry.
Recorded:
7 h 22 min
